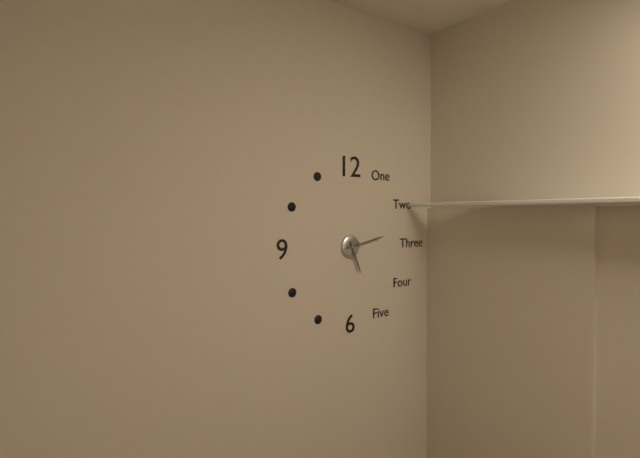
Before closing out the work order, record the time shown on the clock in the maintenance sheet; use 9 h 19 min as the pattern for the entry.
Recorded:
5 h 13 min
